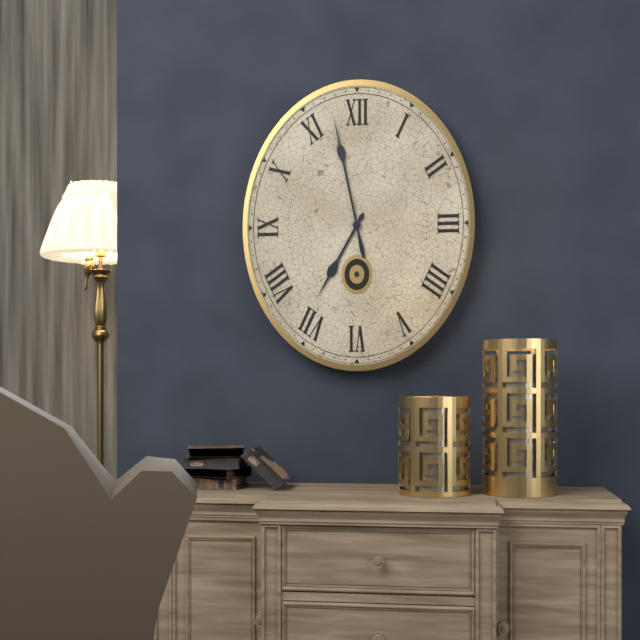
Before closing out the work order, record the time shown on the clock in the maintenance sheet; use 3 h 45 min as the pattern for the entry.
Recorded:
6 h 58 min
